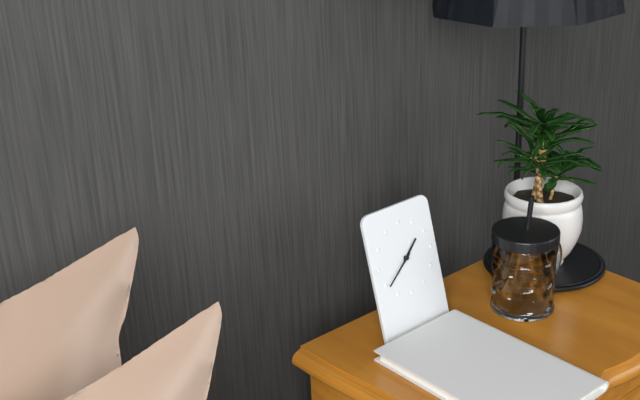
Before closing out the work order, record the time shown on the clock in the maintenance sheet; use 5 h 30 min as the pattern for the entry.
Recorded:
1 h 39 min
